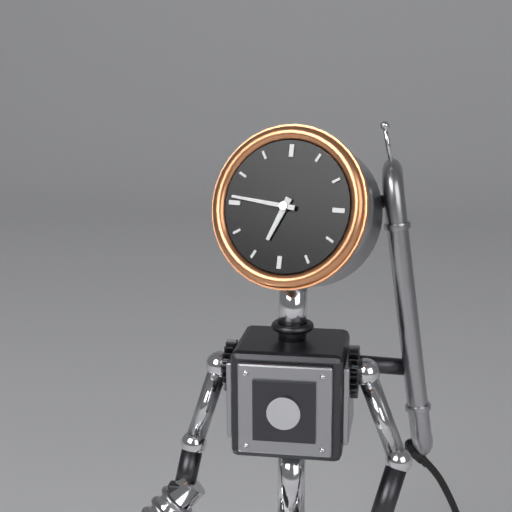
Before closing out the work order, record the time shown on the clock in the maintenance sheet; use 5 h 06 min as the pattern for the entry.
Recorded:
6 h 46 min
